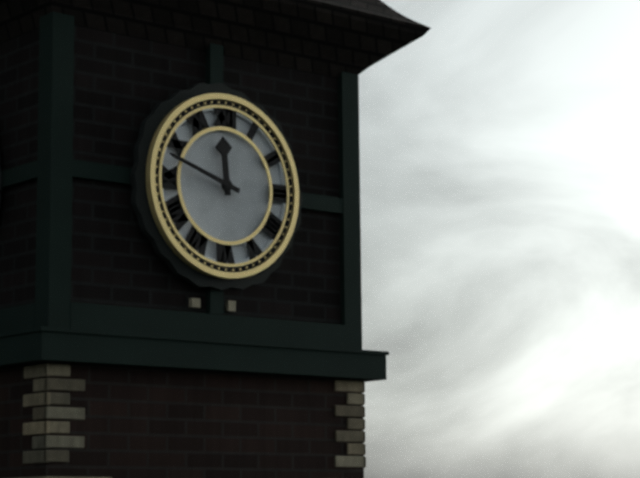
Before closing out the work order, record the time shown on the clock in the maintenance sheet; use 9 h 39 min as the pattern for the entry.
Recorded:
11 h 48 min
